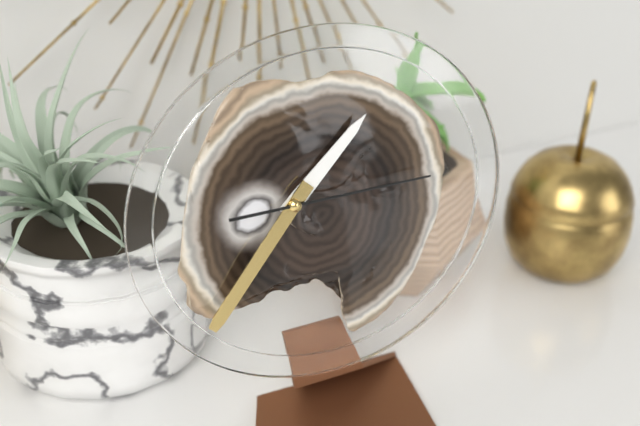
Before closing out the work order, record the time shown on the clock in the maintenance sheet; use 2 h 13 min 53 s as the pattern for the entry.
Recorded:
1 h 37 min 15 s
